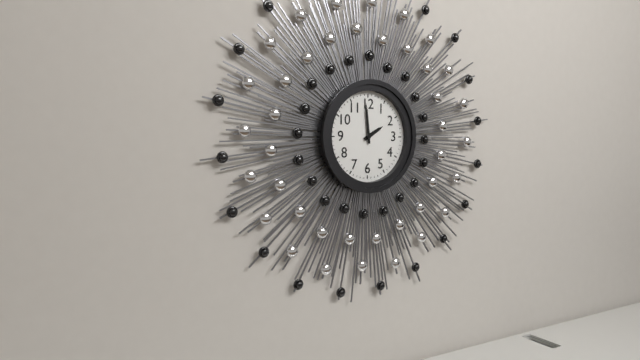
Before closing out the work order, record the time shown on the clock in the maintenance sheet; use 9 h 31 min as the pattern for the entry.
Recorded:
1 h 59 min
